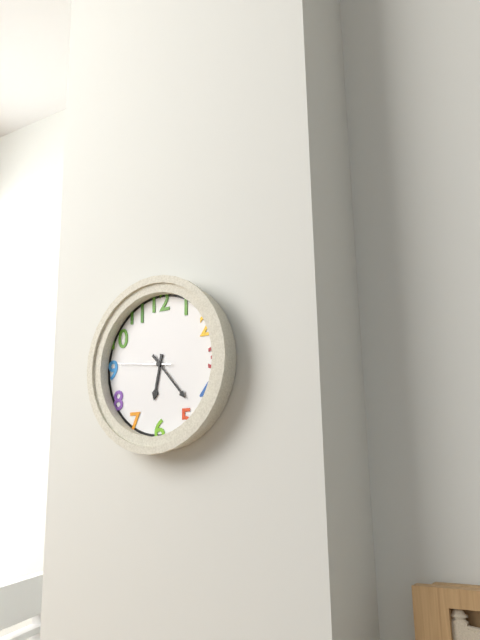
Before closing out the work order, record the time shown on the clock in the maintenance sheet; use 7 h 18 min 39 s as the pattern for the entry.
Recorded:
6 h 23 min 46 s
